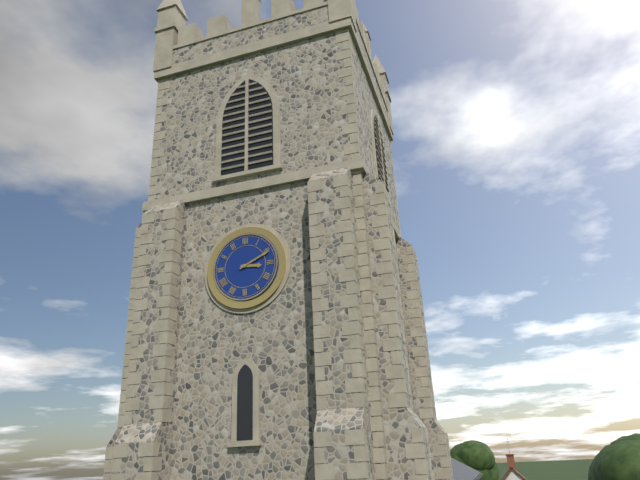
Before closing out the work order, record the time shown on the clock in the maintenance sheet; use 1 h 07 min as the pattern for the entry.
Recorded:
3 h 11 min
